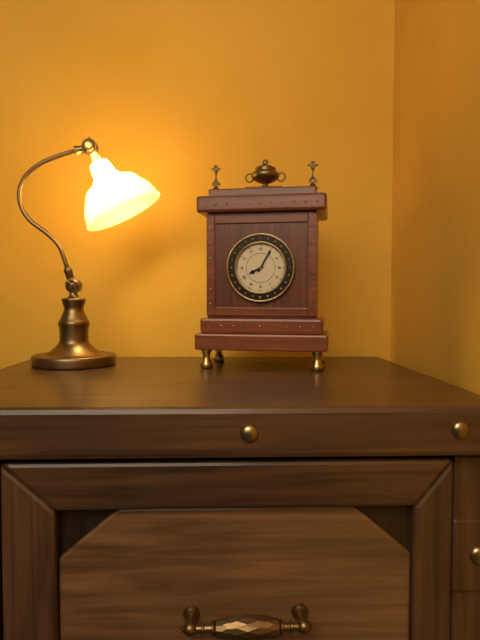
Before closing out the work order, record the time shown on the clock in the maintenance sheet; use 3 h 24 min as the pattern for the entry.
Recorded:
8 h 05 min
